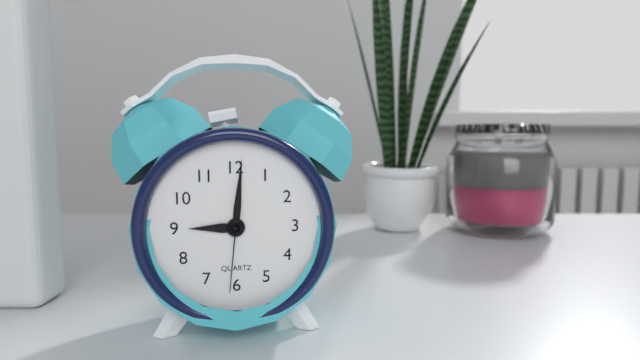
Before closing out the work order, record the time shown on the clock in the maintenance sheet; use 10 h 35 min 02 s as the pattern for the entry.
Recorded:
9 h 01 min 31 s
